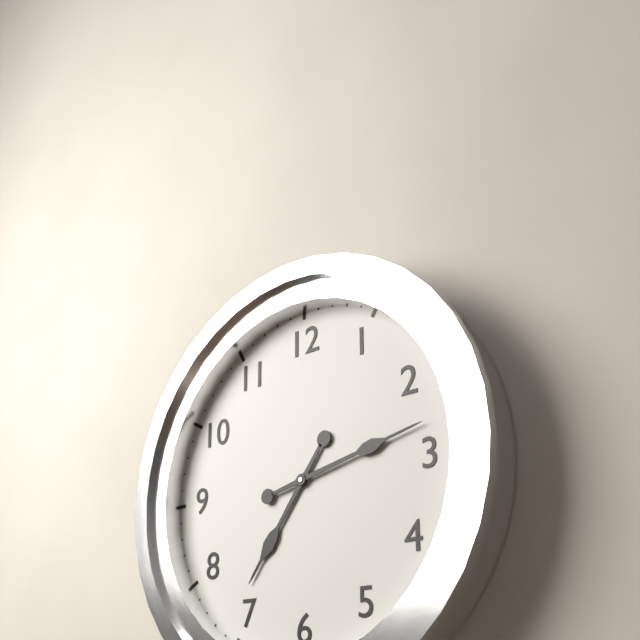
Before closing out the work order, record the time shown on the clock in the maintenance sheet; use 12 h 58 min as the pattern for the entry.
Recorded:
7 h 13 min
